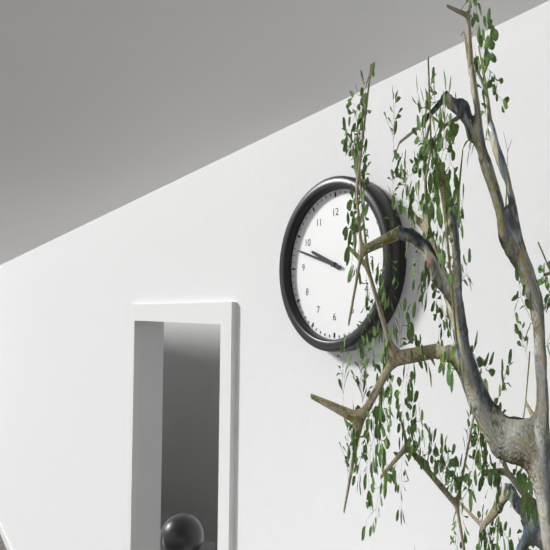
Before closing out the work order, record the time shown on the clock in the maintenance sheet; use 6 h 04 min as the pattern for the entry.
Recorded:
9 h 48 min
